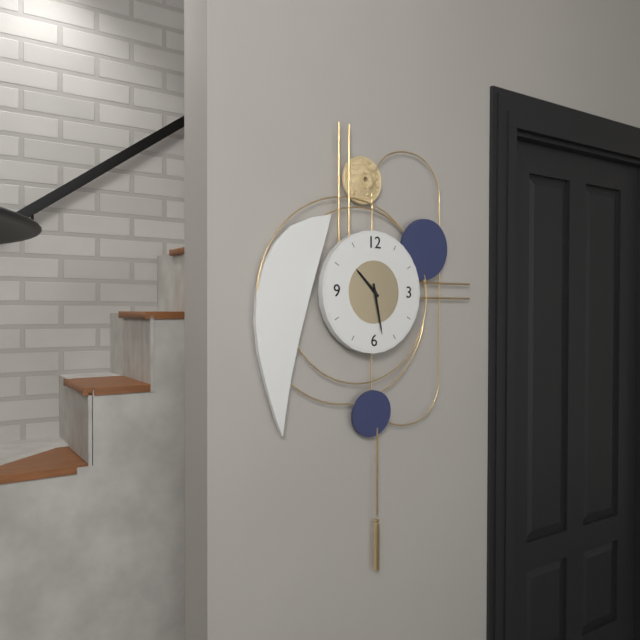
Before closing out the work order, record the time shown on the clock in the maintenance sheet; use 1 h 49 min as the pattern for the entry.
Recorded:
10 h 28 min
